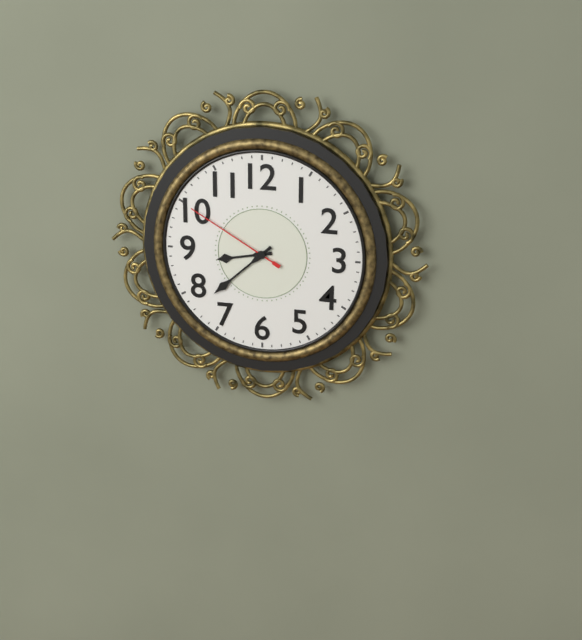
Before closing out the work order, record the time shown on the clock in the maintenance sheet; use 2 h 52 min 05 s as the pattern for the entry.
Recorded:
8 h 38 min 50 s
